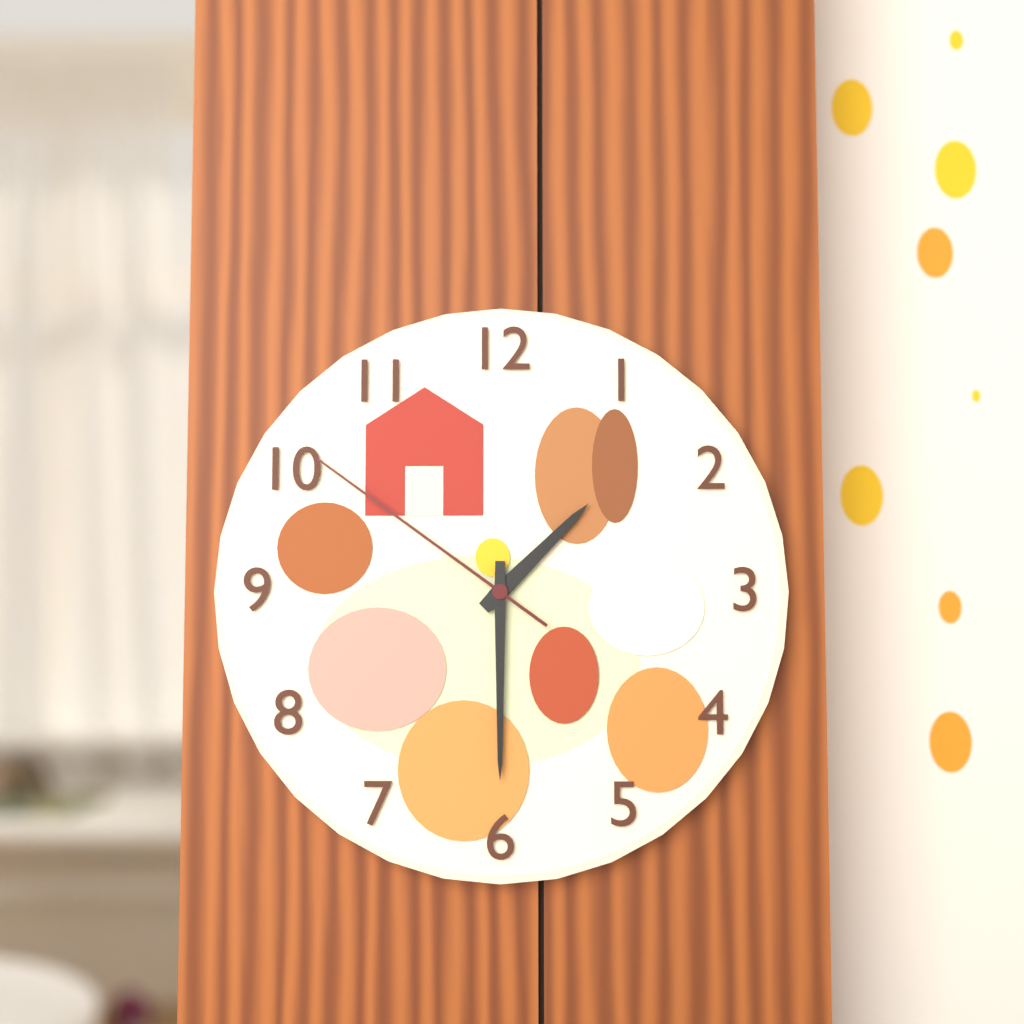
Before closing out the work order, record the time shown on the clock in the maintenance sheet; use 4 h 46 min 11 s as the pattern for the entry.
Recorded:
1 h 30 min 51 s
